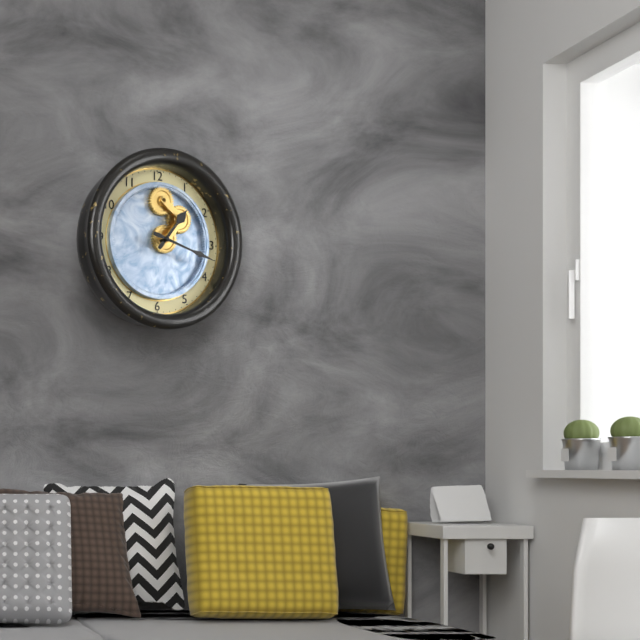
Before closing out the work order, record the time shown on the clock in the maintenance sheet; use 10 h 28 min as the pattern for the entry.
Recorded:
1 h 18 min
